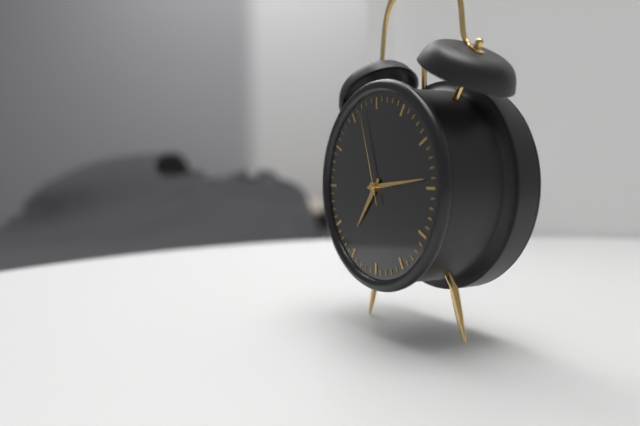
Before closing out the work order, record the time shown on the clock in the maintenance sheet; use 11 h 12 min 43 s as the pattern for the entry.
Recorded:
7 h 14 min 57 s
